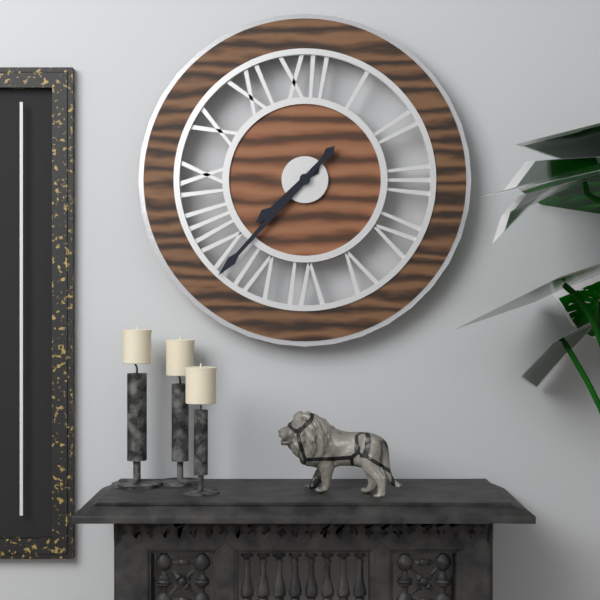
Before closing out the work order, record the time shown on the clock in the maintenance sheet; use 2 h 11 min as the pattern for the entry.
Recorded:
7 h 37 min
